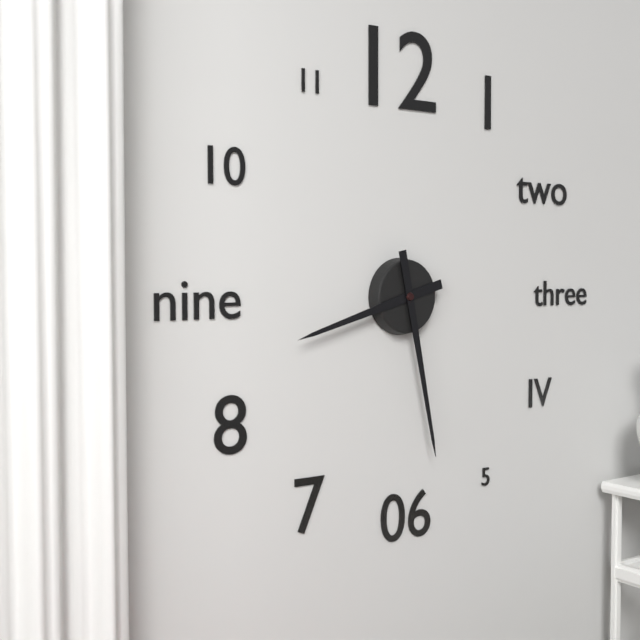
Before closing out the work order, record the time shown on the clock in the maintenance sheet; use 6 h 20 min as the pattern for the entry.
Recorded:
8 h 28 min
